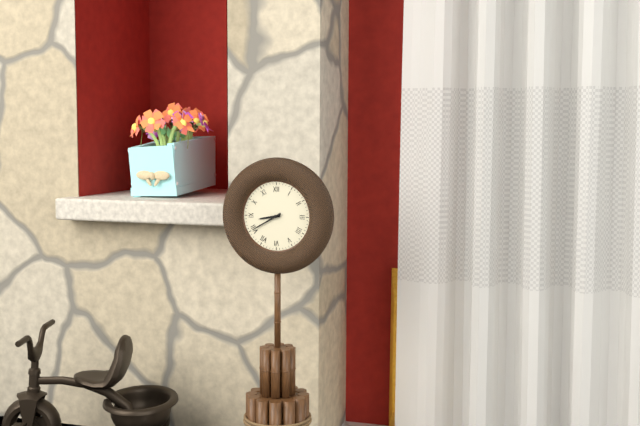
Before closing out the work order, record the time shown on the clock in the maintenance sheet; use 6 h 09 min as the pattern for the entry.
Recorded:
8 h 40 min
